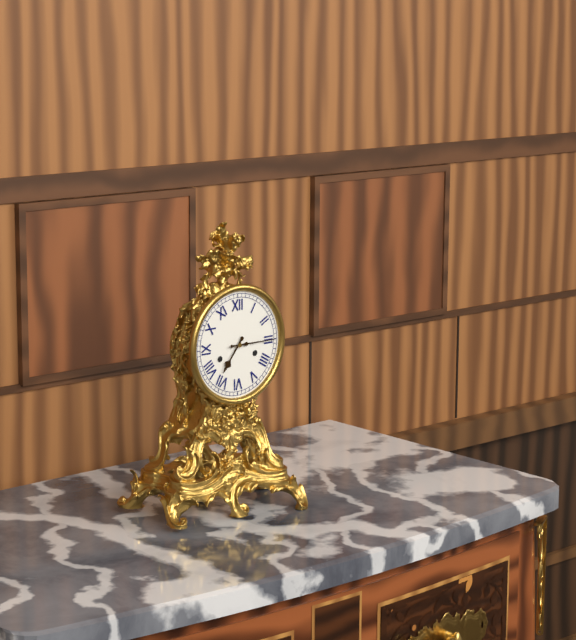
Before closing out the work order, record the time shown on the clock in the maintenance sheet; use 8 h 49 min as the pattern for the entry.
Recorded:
7 h 15 min
